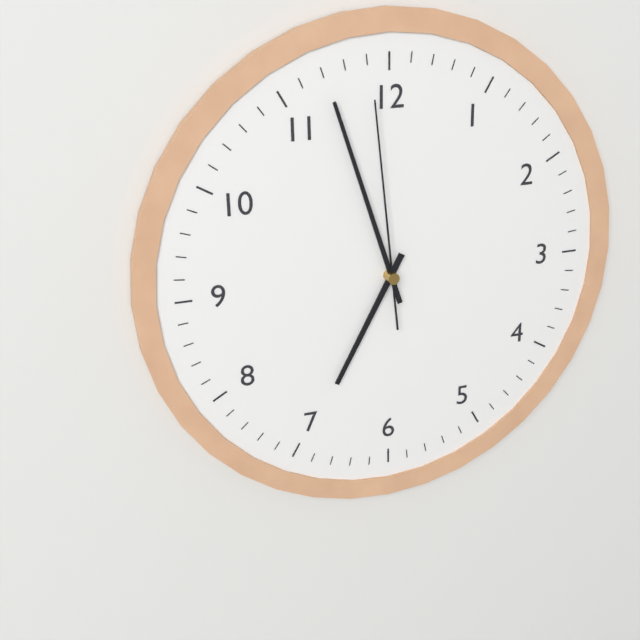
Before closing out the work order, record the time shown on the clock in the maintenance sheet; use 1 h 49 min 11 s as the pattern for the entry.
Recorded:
6 h 57 min 59 s
